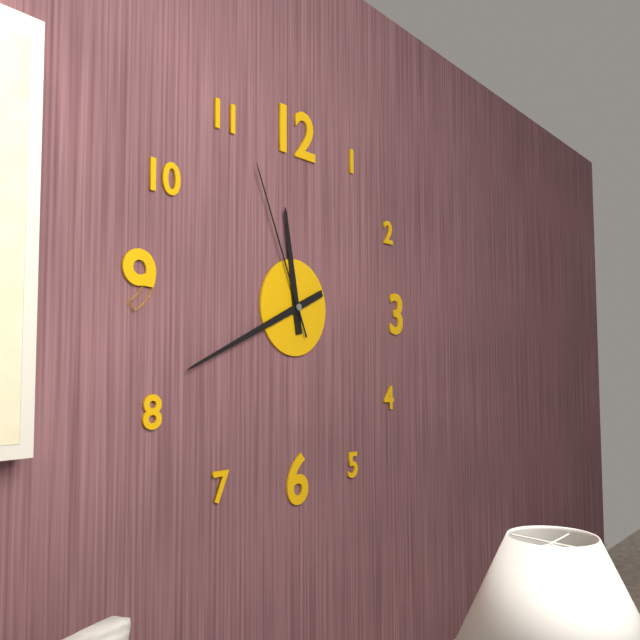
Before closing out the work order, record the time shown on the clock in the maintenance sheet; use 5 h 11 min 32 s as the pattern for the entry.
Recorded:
11 h 41 min 56 s
